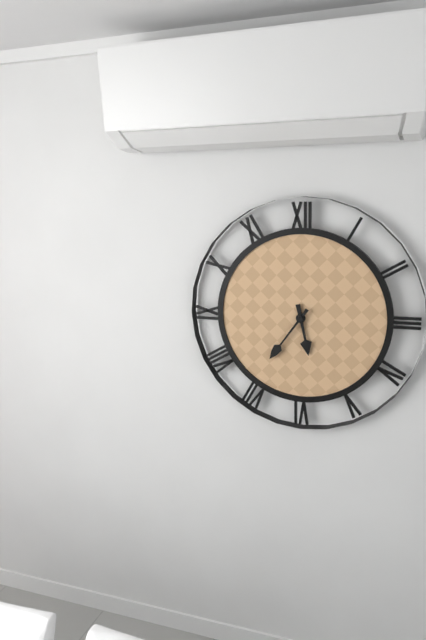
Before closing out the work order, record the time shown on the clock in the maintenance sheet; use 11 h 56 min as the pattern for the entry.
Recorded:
5 h 36 min
